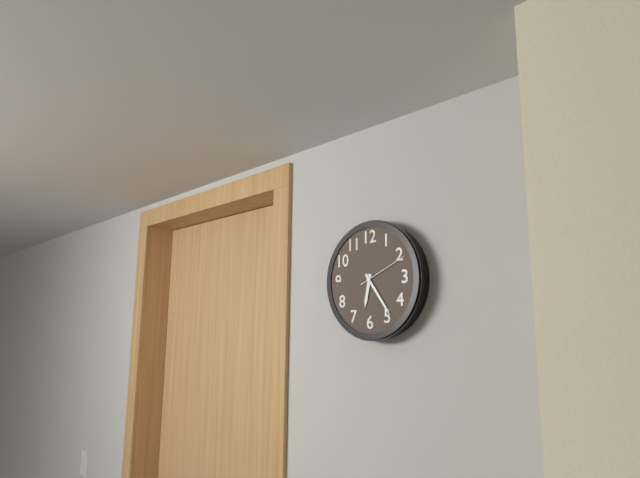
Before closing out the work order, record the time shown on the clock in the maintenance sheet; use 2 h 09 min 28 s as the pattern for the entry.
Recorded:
6 h 24 min 11 s
